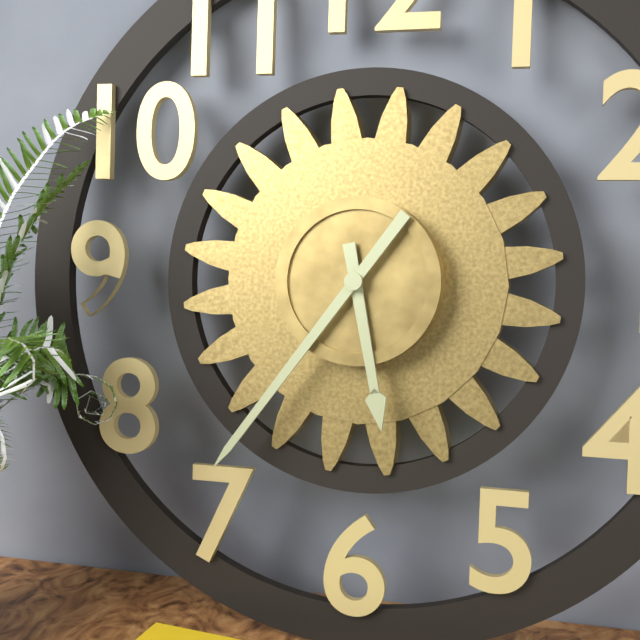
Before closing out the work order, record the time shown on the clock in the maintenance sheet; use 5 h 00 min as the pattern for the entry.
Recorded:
5 h 36 min
